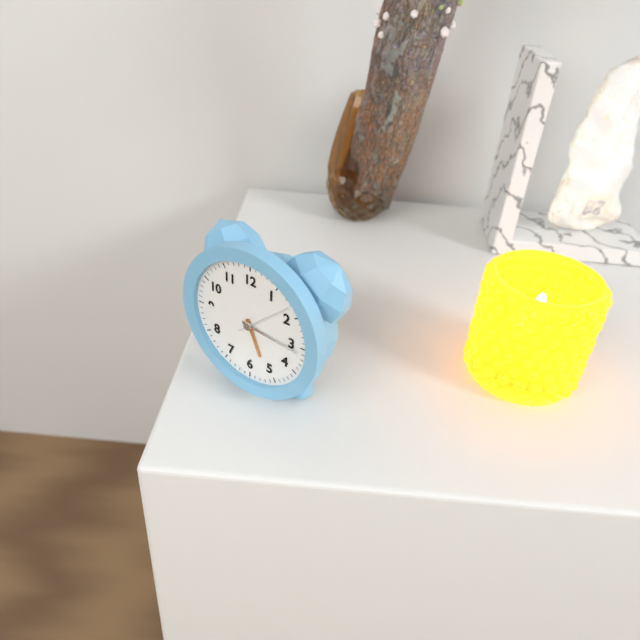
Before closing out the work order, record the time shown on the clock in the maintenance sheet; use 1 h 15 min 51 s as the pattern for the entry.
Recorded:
5 h 16 min 08 s
